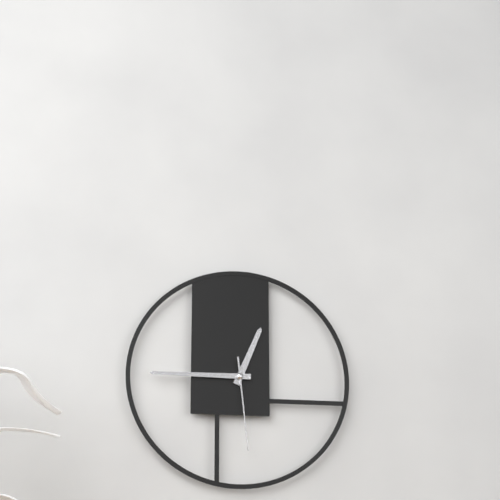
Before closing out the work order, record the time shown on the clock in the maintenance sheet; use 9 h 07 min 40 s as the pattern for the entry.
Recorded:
12 h 45 min 29 s
